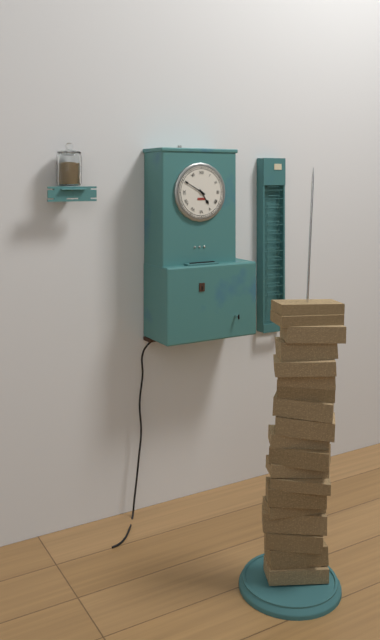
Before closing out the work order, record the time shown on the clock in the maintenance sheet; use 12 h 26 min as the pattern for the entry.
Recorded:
4 h 50 min
